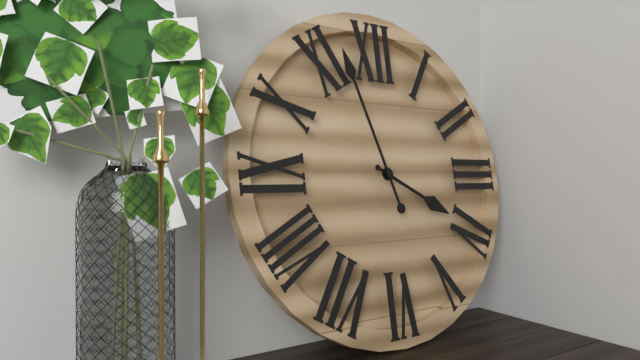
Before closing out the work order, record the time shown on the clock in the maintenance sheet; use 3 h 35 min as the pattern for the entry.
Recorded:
3 h 57 min
